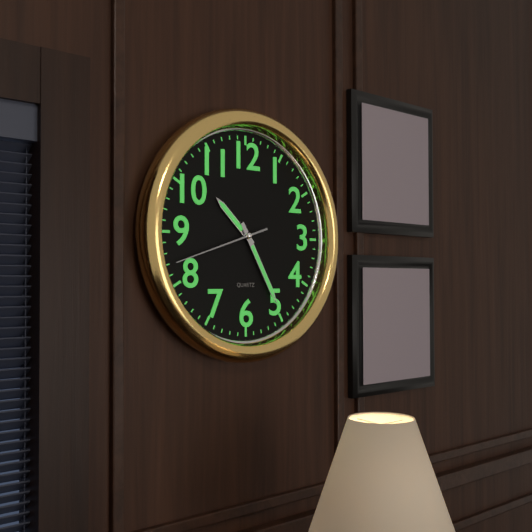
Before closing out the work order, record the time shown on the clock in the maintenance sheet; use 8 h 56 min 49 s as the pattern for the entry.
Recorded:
10 h 25 min 42 s
